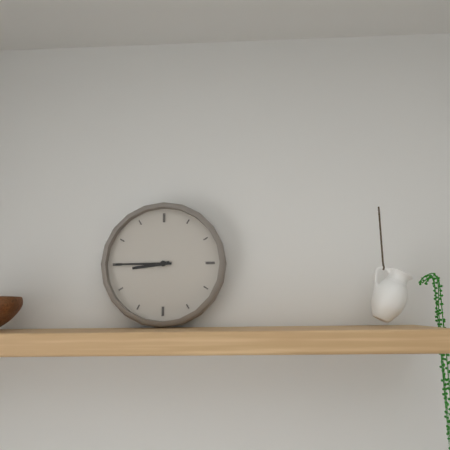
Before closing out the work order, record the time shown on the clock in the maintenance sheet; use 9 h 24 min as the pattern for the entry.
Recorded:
8 h 45 min
